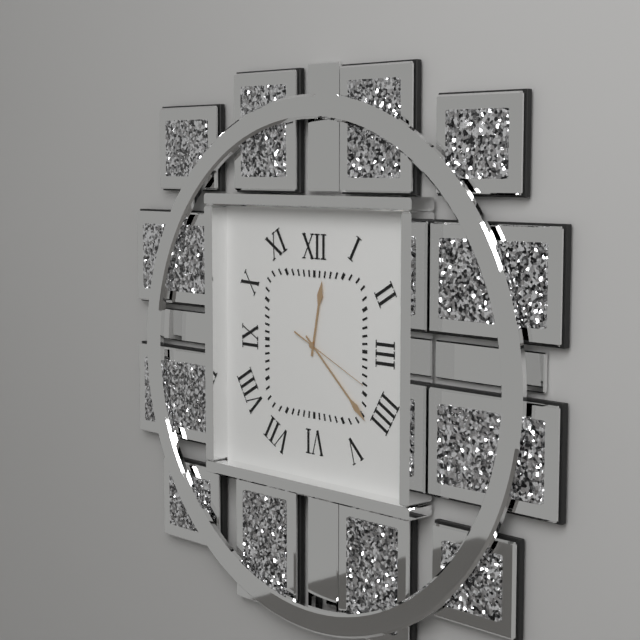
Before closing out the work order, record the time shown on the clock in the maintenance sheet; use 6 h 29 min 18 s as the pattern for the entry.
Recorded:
12 h 22 min 19 s
